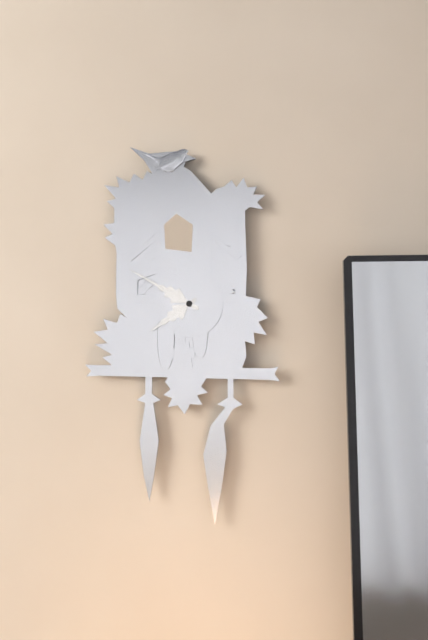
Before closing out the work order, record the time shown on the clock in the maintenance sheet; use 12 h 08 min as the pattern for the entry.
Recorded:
7 h 50 min
